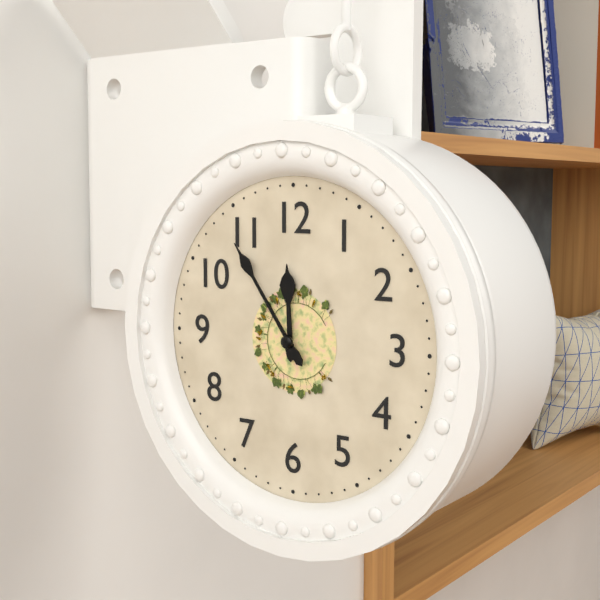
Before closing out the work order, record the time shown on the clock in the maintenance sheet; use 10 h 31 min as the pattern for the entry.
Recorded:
11 h 54 min
